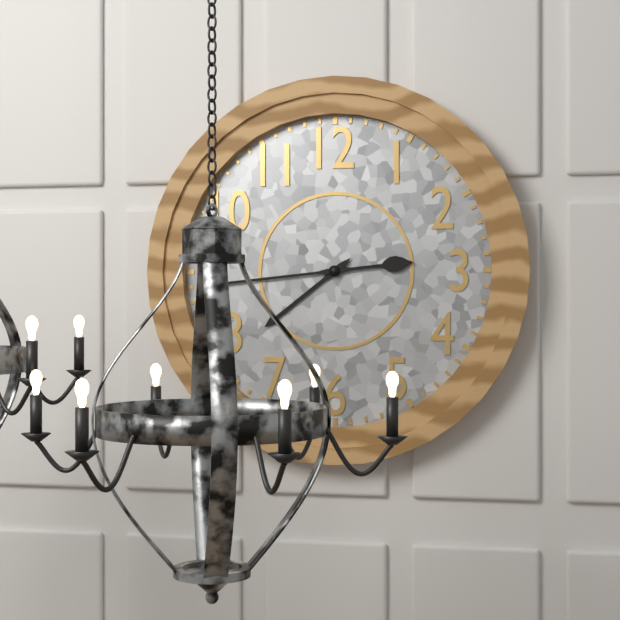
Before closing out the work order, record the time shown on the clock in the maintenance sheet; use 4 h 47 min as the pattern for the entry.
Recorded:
7 h 44 min
